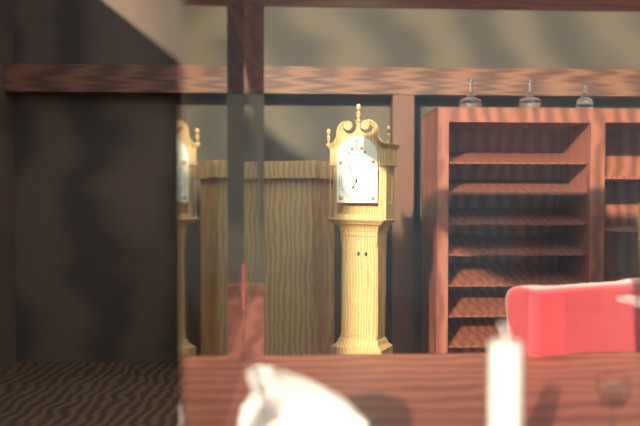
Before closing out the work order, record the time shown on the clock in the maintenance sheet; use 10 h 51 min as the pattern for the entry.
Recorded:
6 h 55 min
